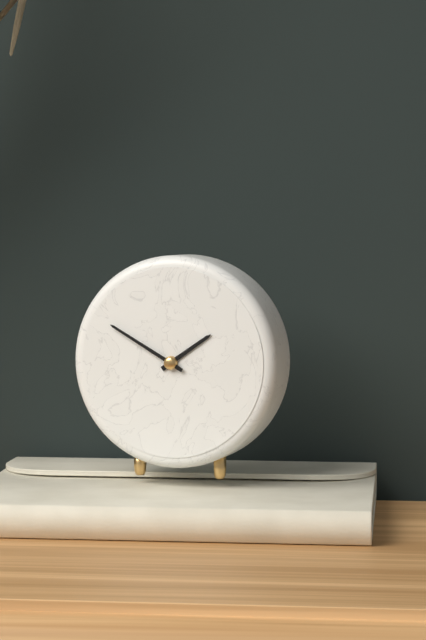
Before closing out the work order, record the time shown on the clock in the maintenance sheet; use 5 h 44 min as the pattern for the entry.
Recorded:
1 h 50 min
